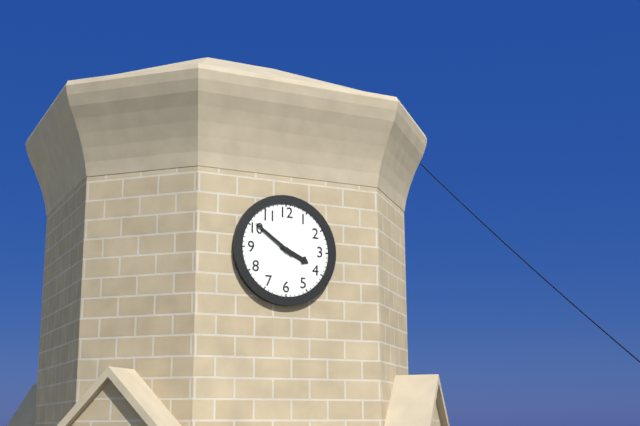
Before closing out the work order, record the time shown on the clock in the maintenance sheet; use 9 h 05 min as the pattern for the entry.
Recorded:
3 h 51 min
